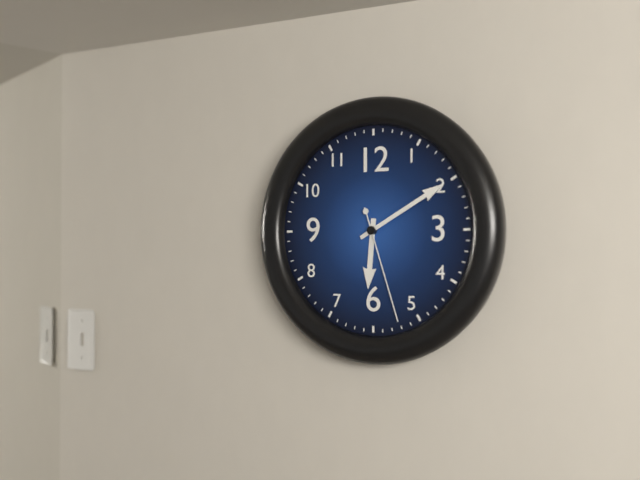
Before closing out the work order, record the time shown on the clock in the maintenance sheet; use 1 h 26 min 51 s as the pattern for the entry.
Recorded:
6 h 10 min 27 s
